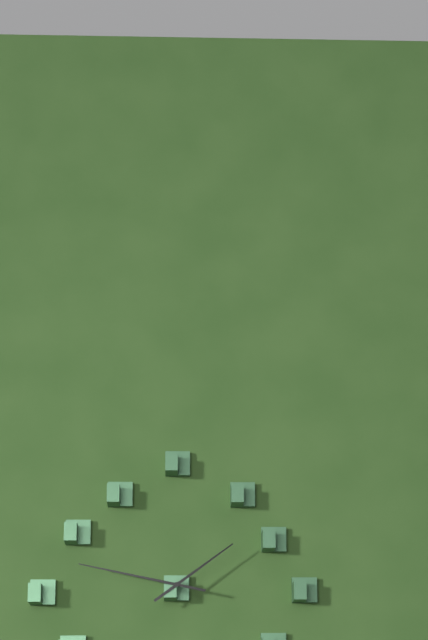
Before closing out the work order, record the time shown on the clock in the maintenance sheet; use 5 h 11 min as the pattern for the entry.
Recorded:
1 h 47 min
